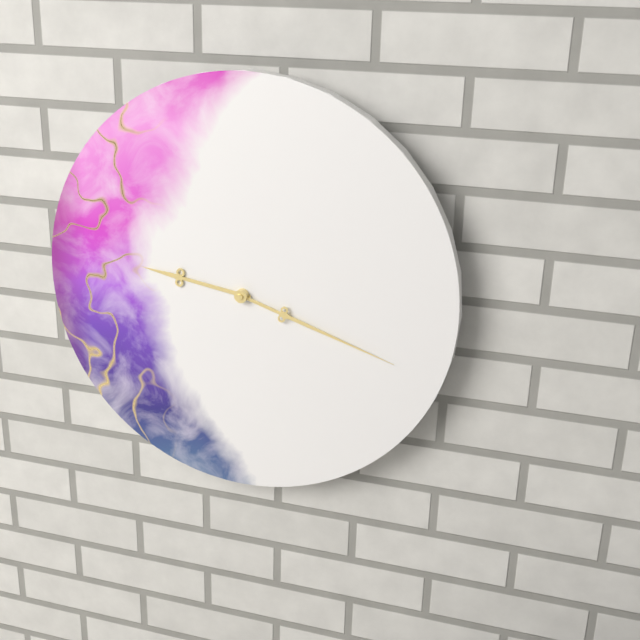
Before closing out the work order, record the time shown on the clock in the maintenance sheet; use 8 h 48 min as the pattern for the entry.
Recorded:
9 h 18 min
